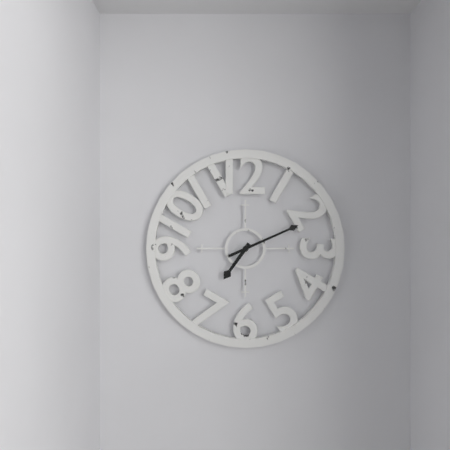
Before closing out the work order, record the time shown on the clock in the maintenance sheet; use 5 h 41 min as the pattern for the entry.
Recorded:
7 h 11 min
